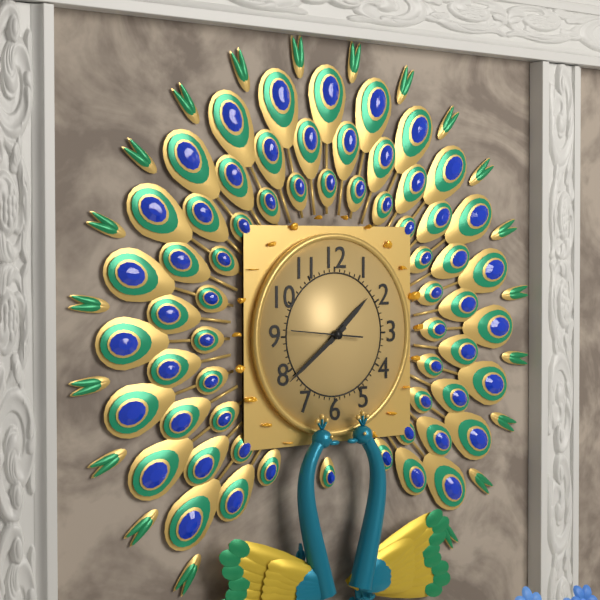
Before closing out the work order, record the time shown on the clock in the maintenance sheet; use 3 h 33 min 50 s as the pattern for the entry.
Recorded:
1 h 39 min 46 s
